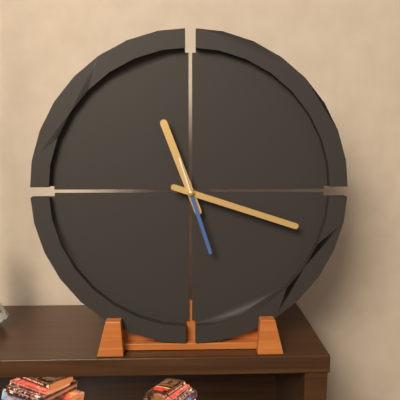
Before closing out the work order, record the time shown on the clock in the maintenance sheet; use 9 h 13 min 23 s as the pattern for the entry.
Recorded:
11 h 18 min 27 s
